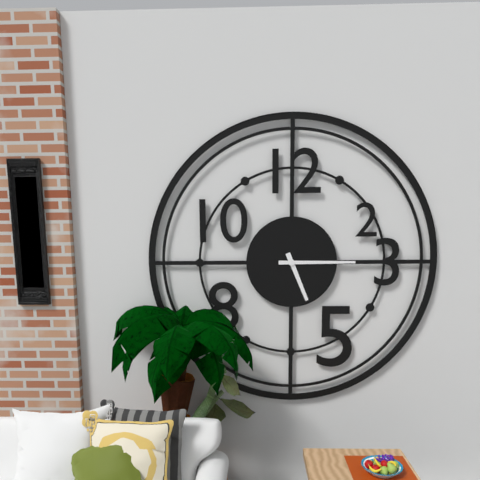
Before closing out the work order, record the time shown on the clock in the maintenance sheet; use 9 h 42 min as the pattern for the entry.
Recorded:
5 h 15 min
